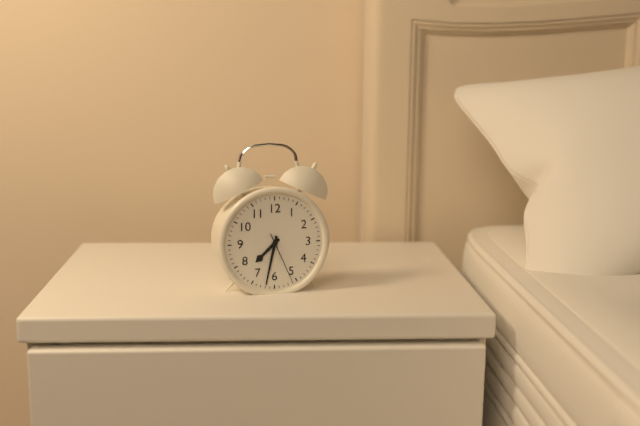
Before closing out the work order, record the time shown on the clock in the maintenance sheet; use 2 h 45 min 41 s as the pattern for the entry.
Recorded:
7 h 32 min 26 s
